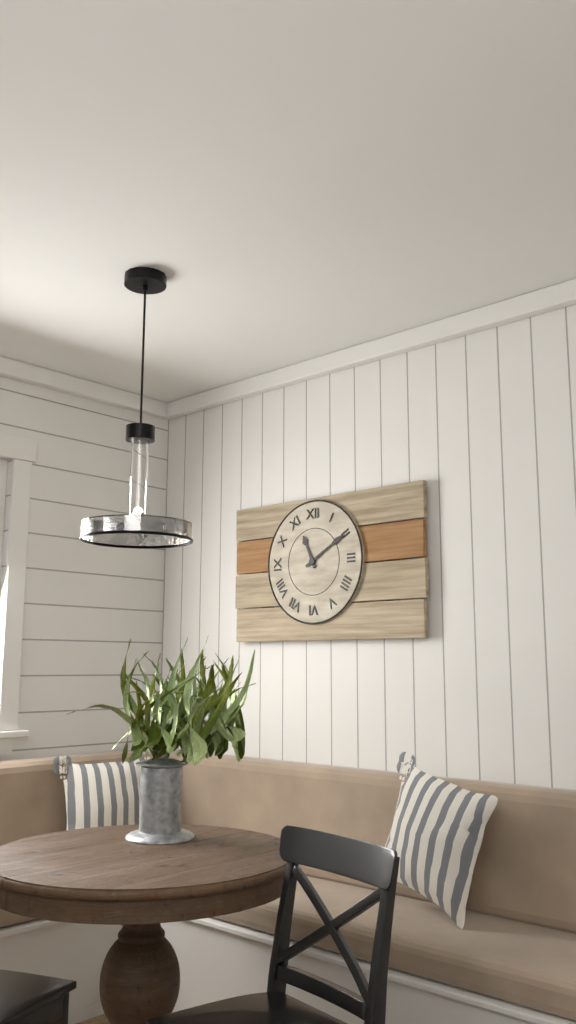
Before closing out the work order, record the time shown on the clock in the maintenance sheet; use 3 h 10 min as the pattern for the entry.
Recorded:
11 h 10 min
